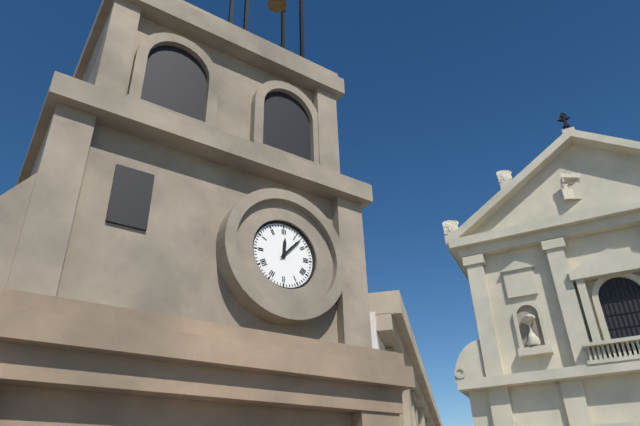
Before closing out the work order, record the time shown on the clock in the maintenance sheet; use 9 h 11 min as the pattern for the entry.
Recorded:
12 h 07 min
